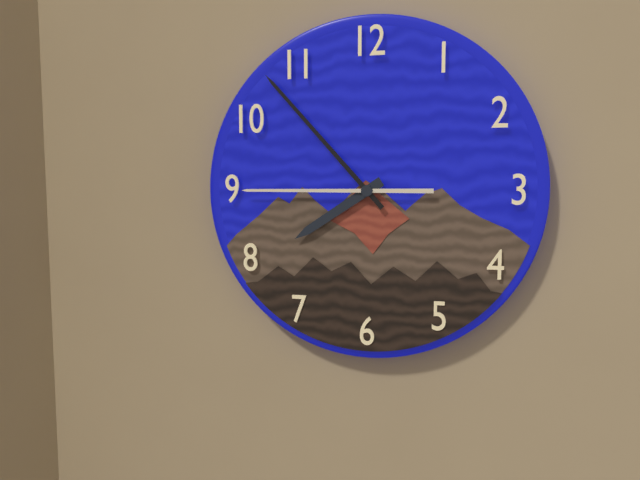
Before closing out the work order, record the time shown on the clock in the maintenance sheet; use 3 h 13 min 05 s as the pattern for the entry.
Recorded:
7 h 53 min 45 s
